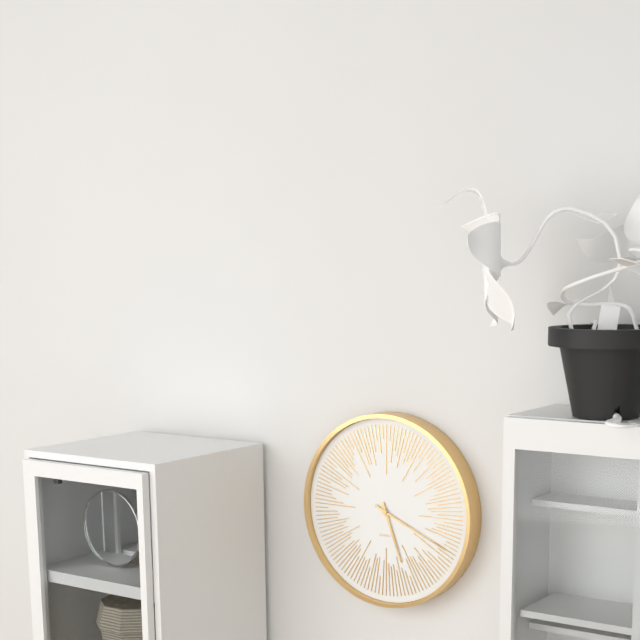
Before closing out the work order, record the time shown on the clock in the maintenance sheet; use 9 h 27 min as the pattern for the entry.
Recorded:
5 h 19 min
